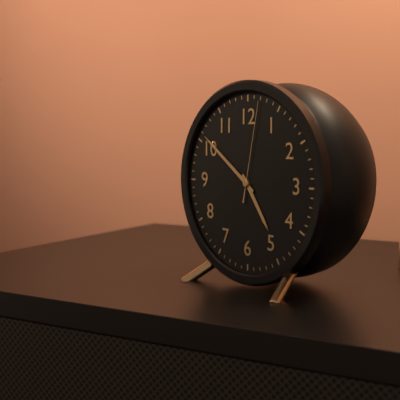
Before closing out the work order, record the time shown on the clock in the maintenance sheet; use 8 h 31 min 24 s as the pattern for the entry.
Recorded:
4 h 51 min 02 s
